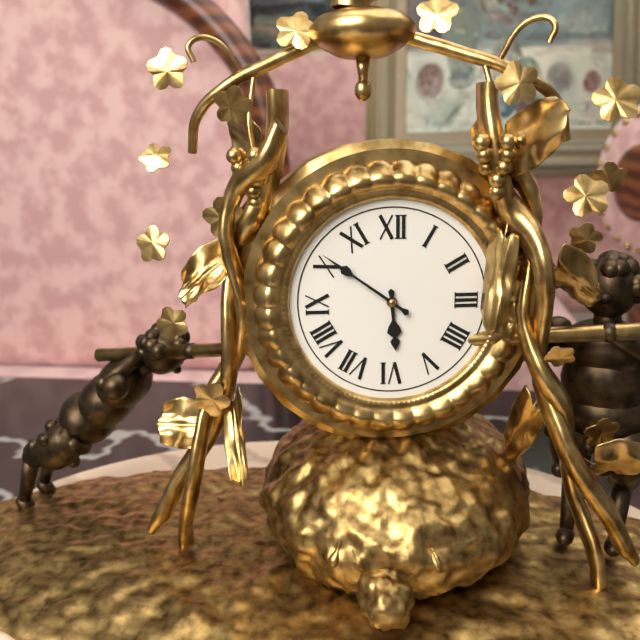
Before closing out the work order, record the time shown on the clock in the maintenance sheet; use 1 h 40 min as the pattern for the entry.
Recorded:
5 h 51 min
